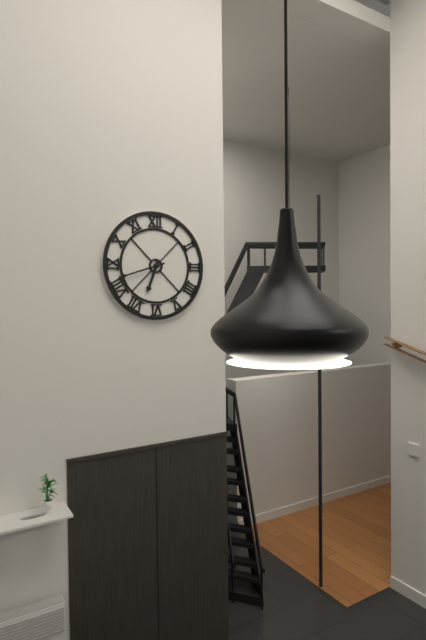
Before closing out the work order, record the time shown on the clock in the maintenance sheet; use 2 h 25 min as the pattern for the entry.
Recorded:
6 h 42 min
